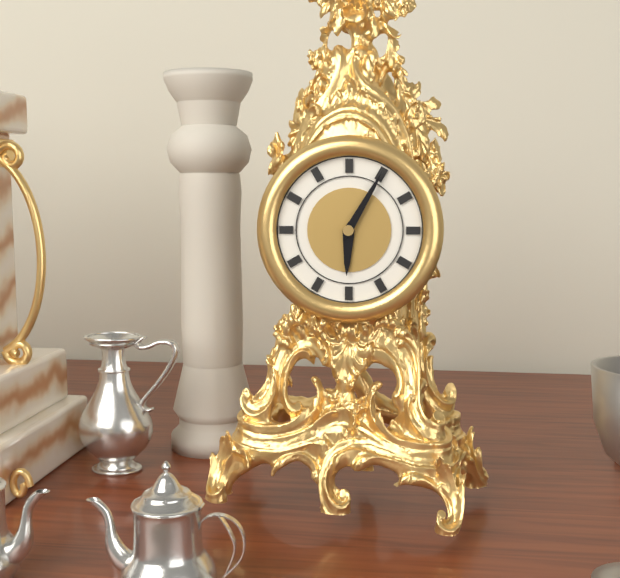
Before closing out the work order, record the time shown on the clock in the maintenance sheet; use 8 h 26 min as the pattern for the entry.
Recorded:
6 h 05 min
